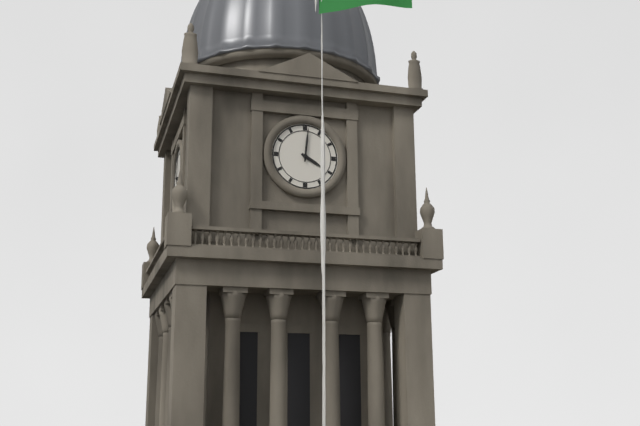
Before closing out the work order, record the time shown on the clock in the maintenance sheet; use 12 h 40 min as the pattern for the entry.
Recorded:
4 h 01 min
